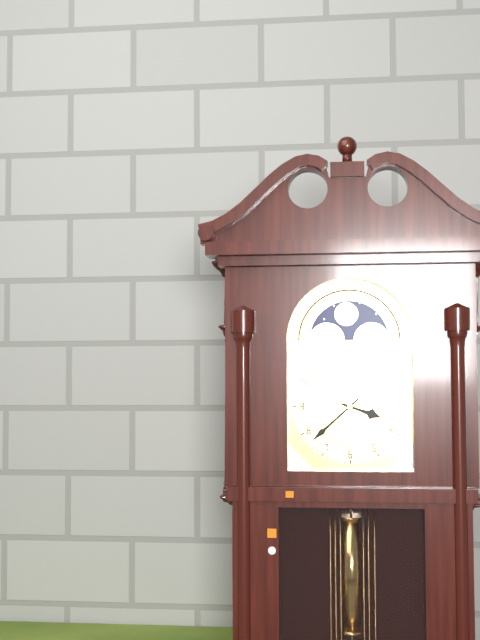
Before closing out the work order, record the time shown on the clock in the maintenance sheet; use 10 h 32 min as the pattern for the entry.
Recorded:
3 h 38 min
